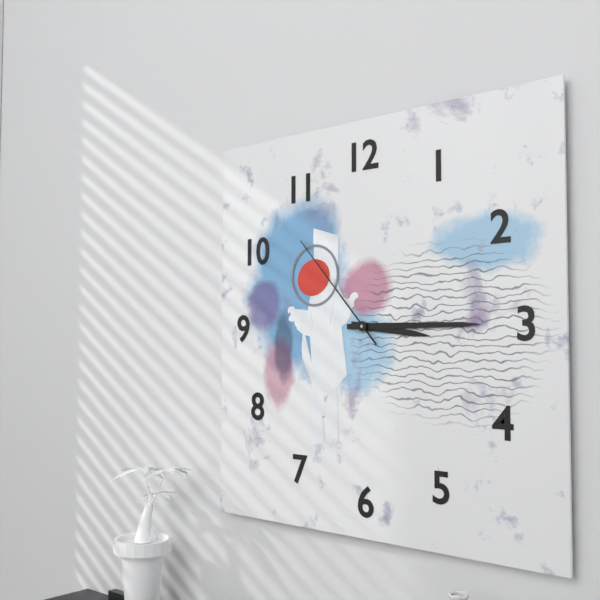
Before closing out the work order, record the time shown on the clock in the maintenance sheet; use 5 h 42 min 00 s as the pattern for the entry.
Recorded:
3 h 15 min 53 s
